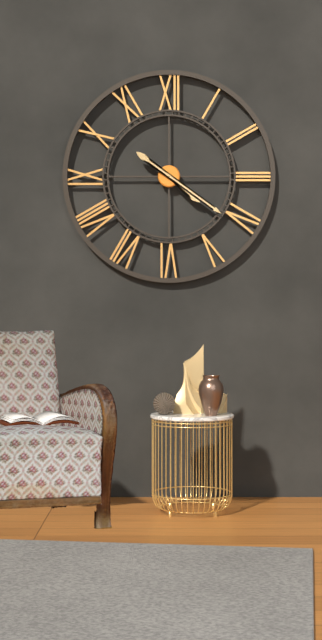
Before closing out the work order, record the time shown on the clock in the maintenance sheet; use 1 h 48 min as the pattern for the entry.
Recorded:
4 h 21 min
